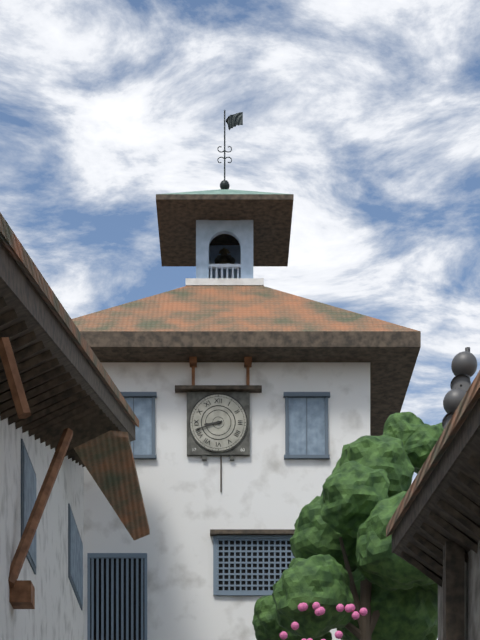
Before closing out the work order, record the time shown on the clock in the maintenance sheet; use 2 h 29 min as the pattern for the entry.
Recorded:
8 h 42 min
